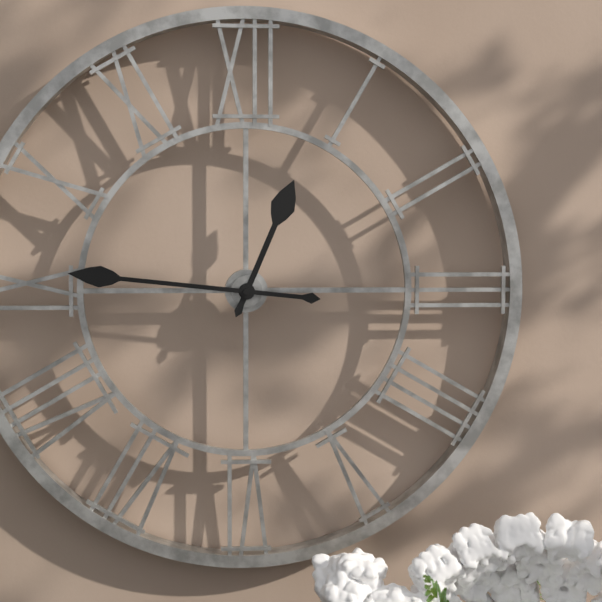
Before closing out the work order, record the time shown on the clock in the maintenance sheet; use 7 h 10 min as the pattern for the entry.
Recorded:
12 h 46 min
